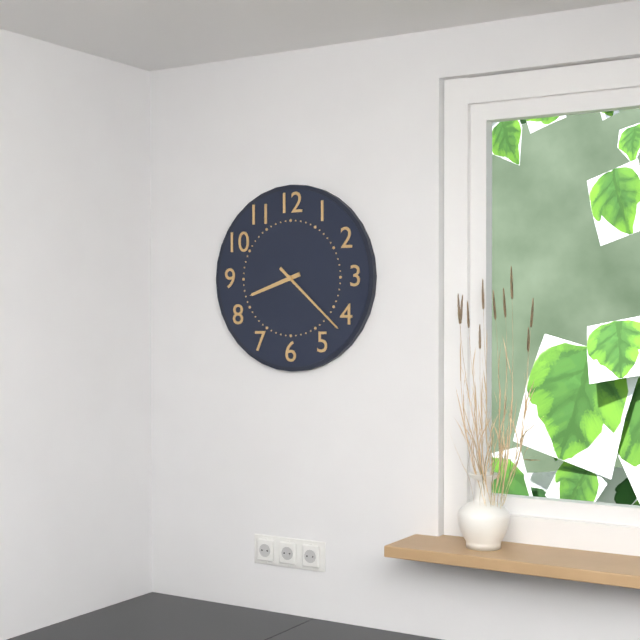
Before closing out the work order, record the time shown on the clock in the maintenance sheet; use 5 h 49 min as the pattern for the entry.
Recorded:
8 h 22 min
